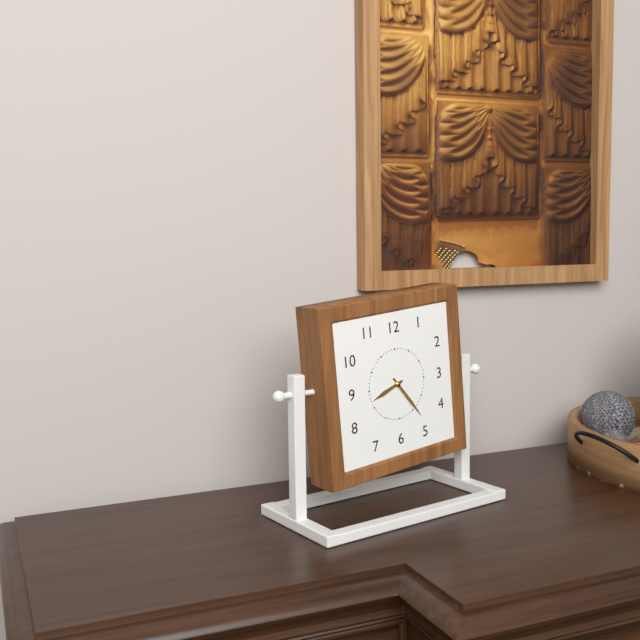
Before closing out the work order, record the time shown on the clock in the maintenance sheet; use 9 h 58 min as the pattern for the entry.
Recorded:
8 h 24 min
